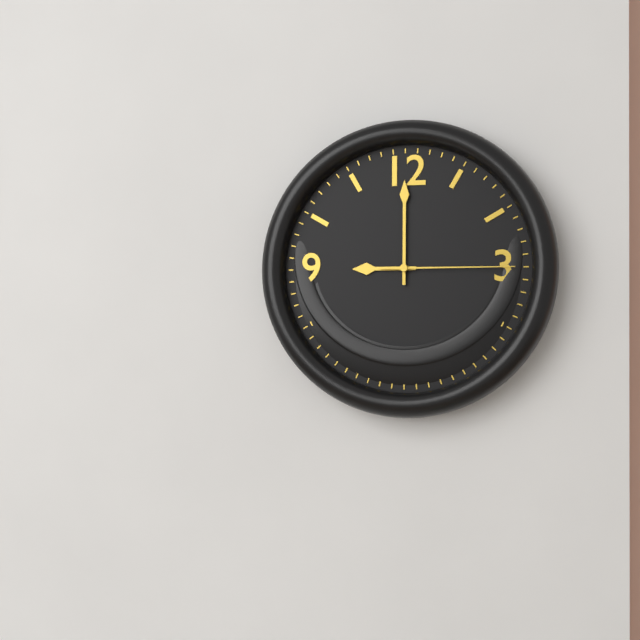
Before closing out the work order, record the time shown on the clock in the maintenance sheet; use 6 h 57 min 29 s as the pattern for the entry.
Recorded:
9 h 00 min 15 s
